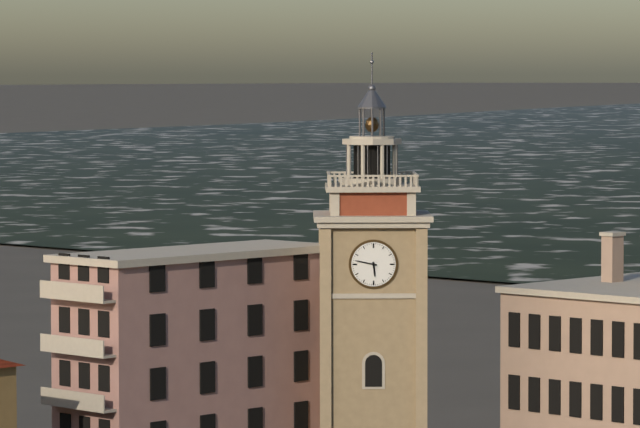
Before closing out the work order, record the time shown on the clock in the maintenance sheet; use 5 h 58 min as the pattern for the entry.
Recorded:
5 h 47 min
